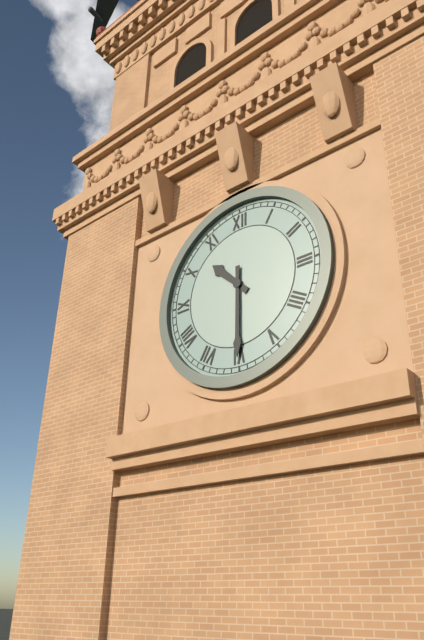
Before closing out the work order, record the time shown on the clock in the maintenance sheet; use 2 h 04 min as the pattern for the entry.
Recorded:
10 h 30 min
